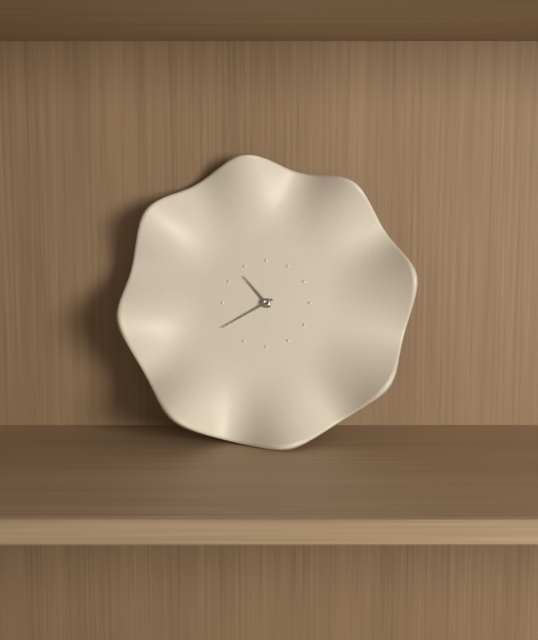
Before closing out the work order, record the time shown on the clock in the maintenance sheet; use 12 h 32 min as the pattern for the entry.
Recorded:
10 h 40 min
